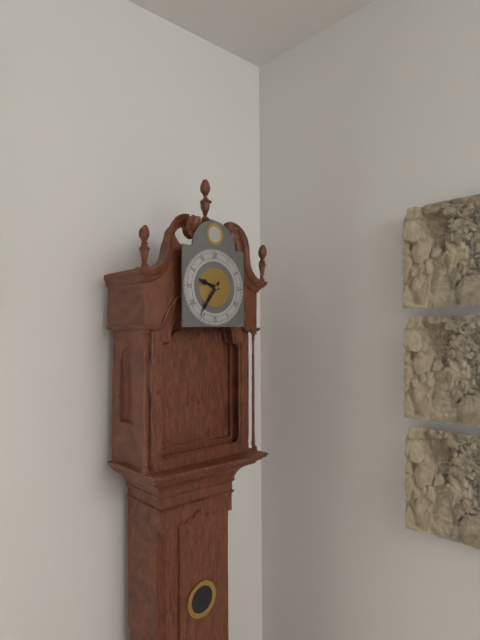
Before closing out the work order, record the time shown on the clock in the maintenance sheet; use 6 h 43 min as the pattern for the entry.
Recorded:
9 h 36 min
